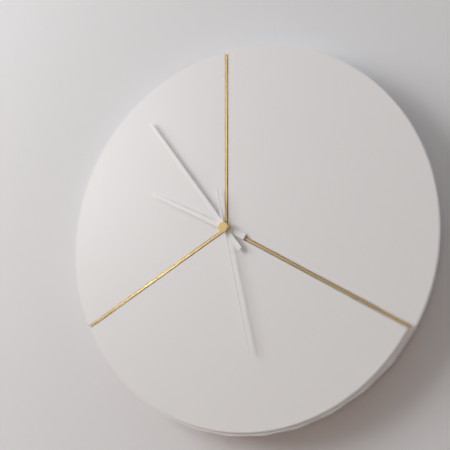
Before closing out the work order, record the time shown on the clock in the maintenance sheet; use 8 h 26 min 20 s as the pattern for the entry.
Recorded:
9 h 54 min 28 s
